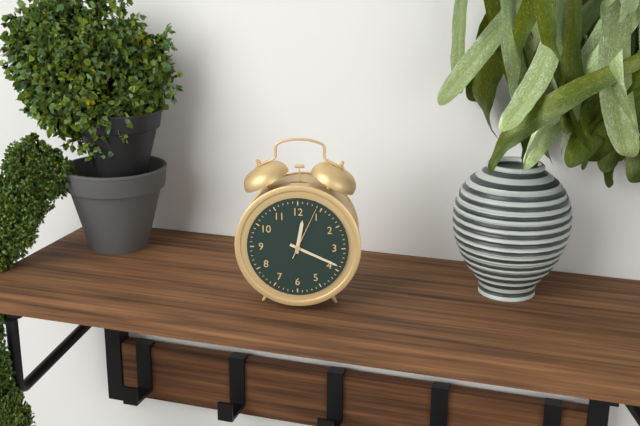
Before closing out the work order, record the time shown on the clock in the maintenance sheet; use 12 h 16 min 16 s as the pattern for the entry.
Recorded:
12 h 19 min 04 s
